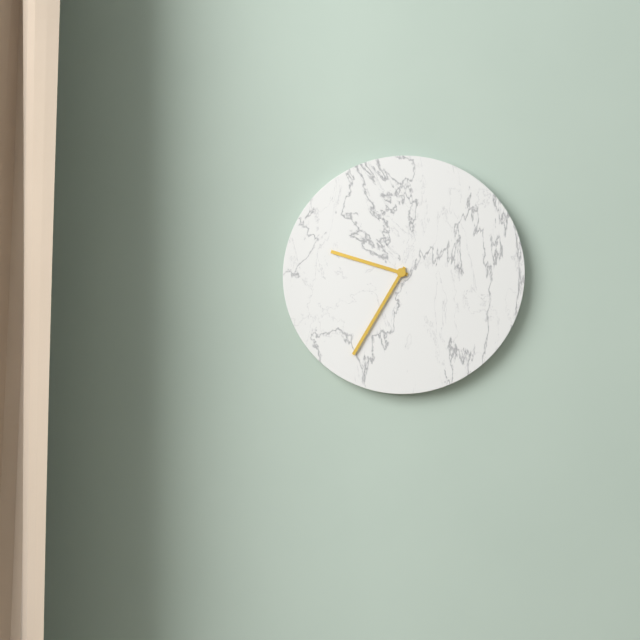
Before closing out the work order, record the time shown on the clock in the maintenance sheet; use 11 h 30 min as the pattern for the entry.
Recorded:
9 h 35 min
